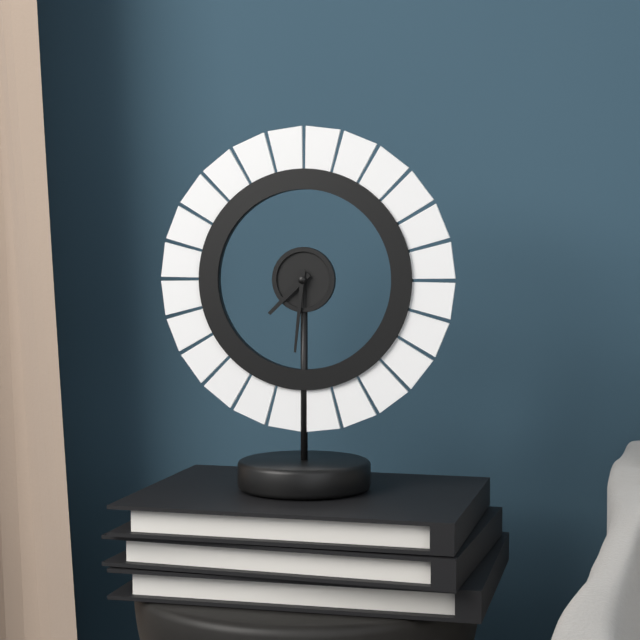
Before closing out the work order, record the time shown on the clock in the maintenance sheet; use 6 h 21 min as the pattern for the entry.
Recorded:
7 h 31 min
